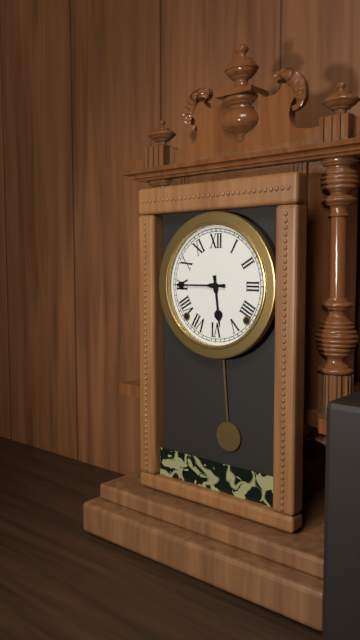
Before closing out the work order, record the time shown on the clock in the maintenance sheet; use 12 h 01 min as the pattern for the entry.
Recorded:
5 h 45 min
